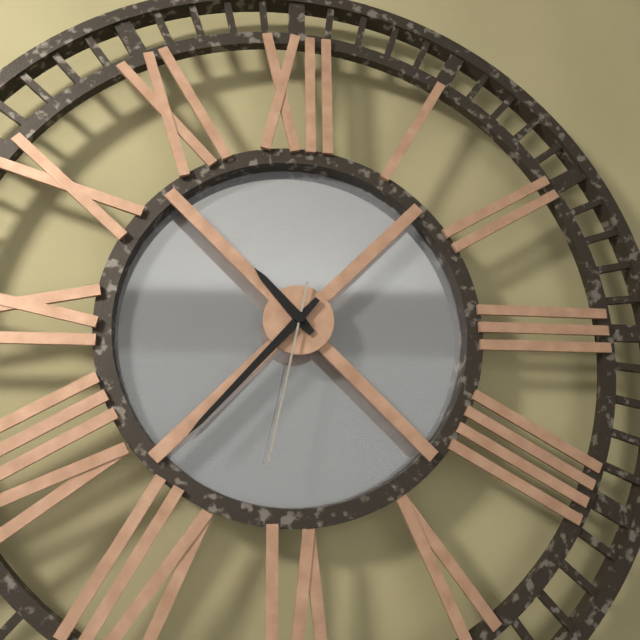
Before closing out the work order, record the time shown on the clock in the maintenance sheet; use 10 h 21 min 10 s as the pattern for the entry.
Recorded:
10 h 37 min 32 s
